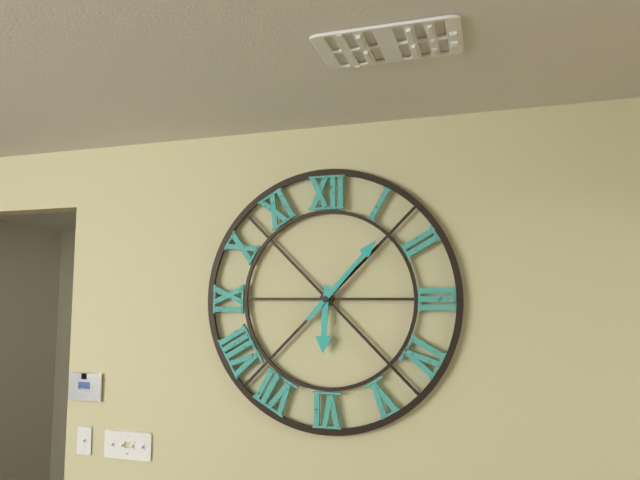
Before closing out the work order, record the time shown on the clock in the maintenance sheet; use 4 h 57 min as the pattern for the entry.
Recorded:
6 h 07 min
